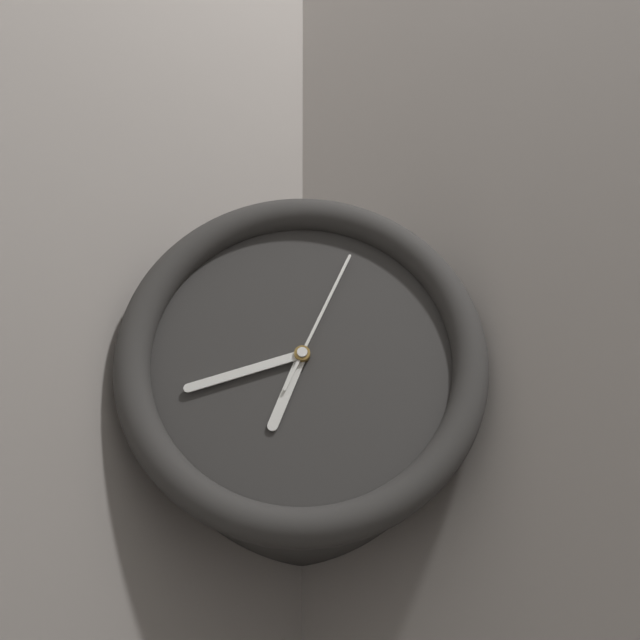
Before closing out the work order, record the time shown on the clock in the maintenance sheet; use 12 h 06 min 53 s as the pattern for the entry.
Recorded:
6 h 42 min 04 s
